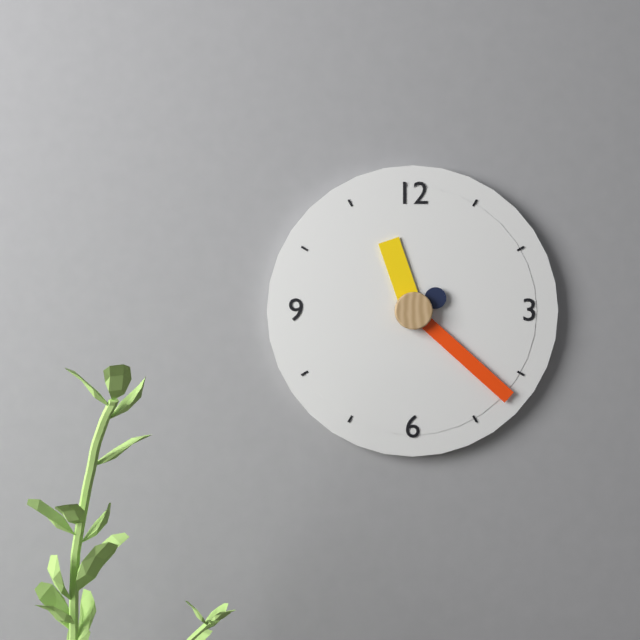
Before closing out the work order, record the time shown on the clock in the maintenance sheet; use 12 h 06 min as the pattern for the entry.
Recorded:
11 h 22 min
